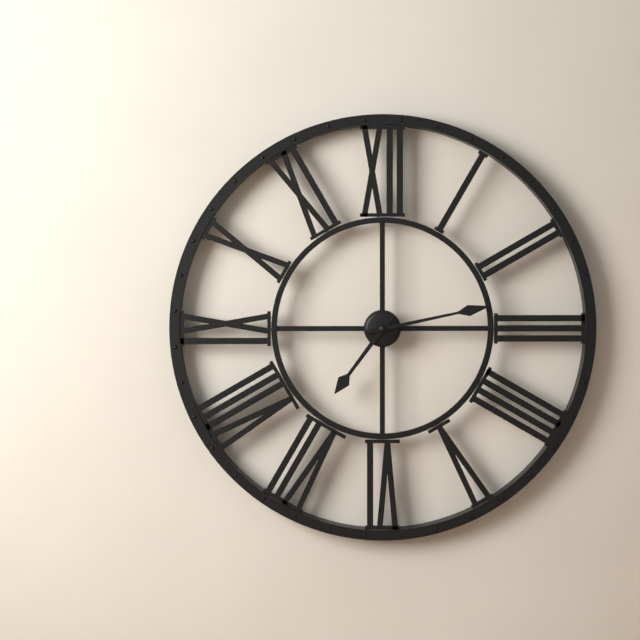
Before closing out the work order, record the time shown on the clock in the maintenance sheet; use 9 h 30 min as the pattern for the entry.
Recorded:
7 h 13 min
